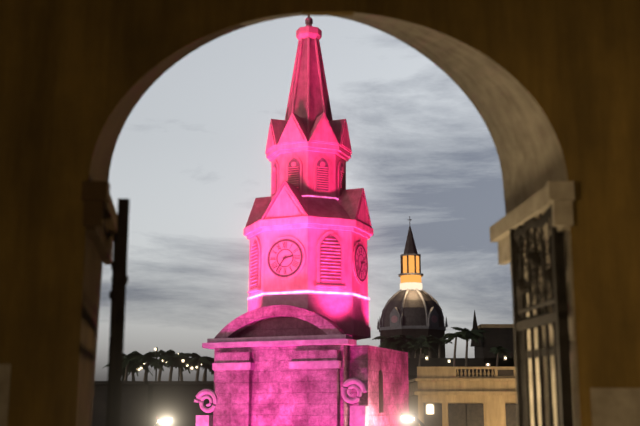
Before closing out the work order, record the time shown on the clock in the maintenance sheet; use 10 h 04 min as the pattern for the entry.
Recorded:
2 h 36 min
